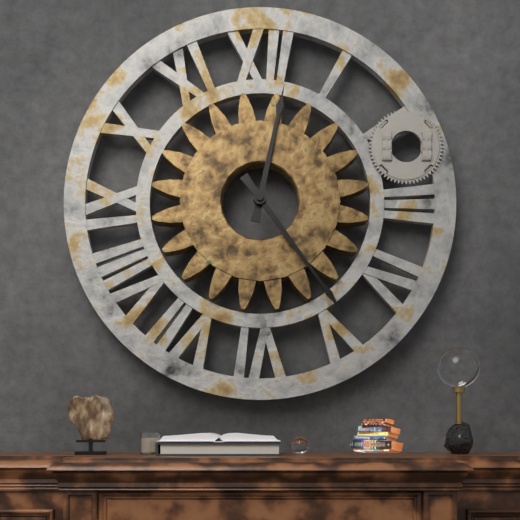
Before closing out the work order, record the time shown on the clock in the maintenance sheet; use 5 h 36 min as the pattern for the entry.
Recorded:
12 h 24 min
